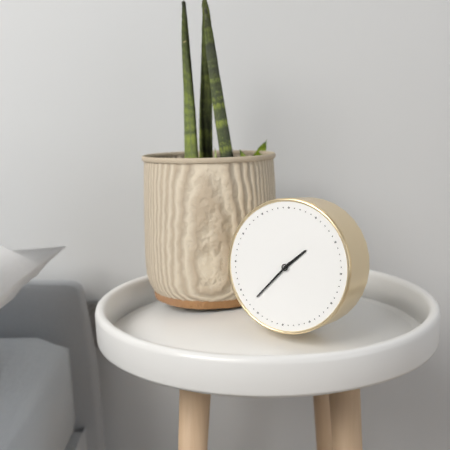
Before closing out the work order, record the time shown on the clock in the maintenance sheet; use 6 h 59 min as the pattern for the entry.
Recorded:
1 h 37 min
